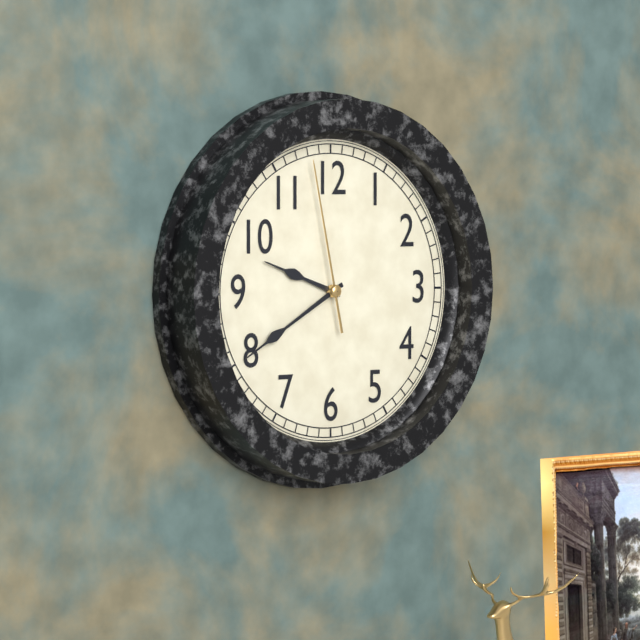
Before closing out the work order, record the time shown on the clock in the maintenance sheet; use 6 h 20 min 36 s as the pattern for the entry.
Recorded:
9 h 40 min 58 s
